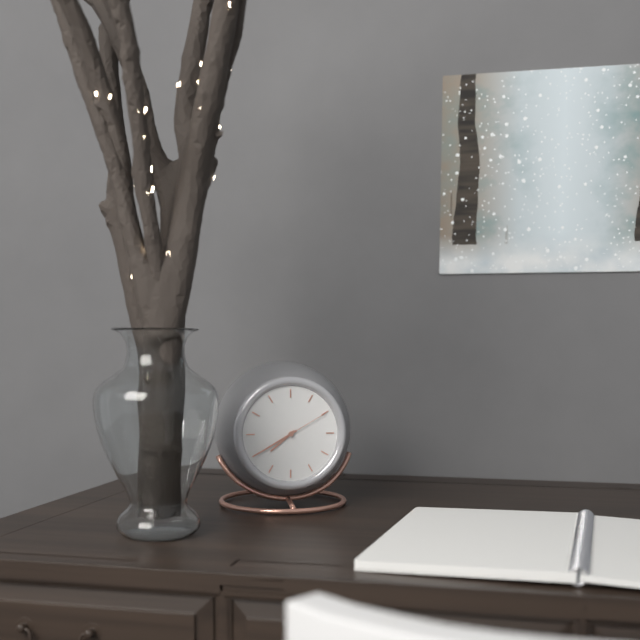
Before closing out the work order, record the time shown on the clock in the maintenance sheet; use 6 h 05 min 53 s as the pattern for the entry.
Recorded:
7 h 40 min 10 s
